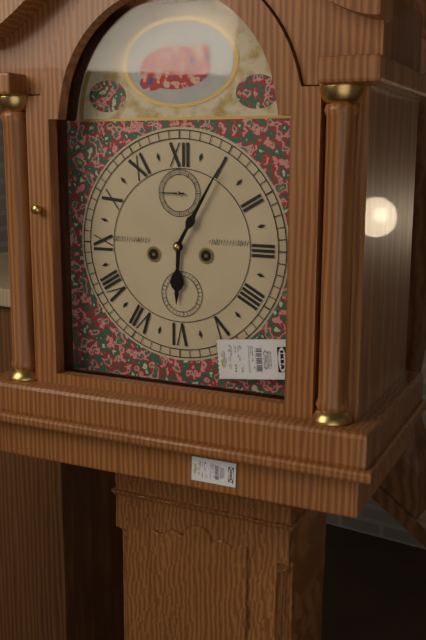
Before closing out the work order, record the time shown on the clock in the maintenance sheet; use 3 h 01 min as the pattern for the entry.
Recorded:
6 h 05 min
